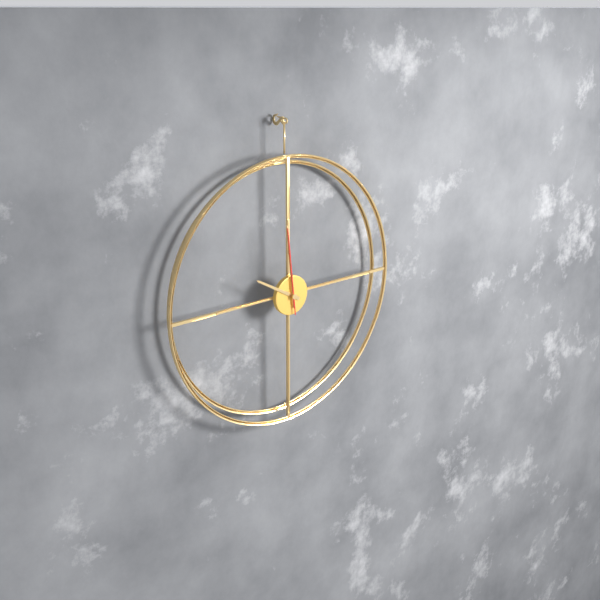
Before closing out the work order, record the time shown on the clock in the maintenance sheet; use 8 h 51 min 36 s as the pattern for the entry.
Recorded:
9 h 59 min 59 s
